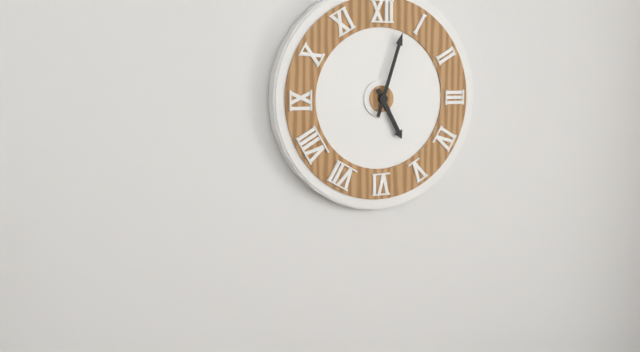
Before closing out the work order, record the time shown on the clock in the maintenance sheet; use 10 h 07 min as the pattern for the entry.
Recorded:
5 h 03 min
